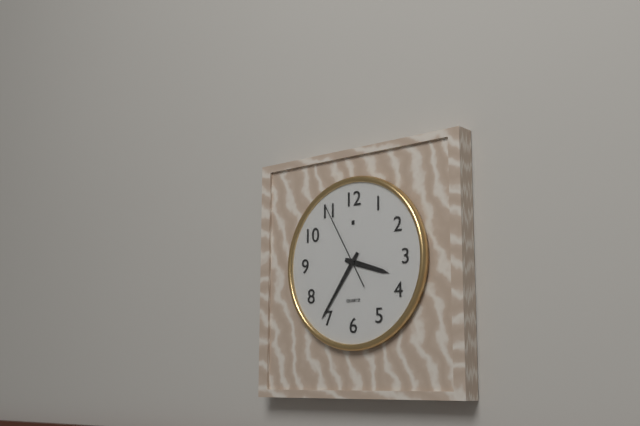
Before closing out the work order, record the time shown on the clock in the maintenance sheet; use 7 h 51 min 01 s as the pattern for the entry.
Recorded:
3 h 36 min 55 s
